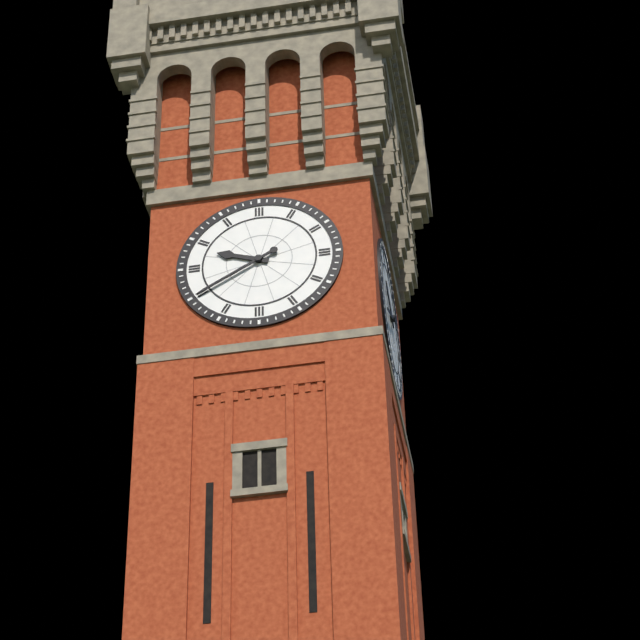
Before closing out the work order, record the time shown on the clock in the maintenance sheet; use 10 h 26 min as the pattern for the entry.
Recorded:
9 h 40 min
